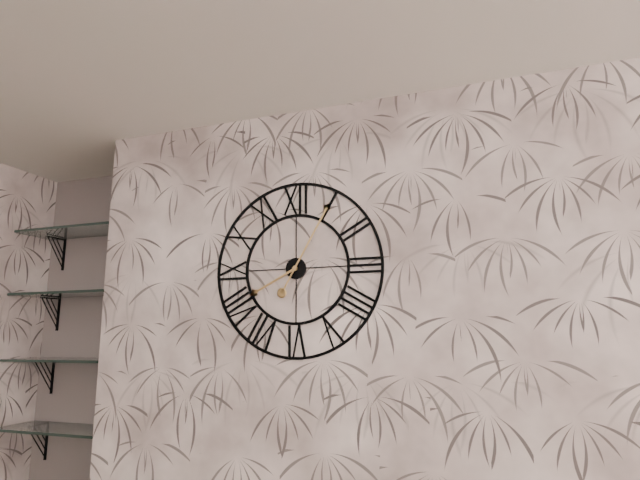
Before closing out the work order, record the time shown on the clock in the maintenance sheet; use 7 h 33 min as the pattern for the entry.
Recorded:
8 h 05 min
